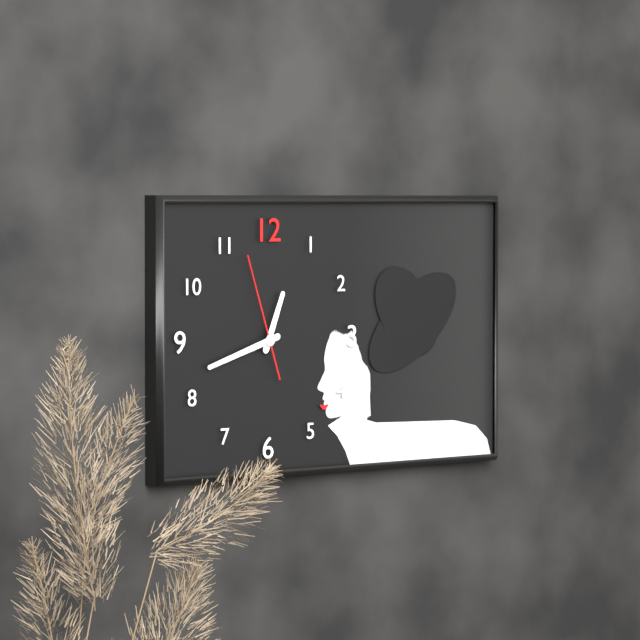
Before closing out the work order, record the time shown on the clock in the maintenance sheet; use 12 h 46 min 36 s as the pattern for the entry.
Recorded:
12 h 42 min 57 s
